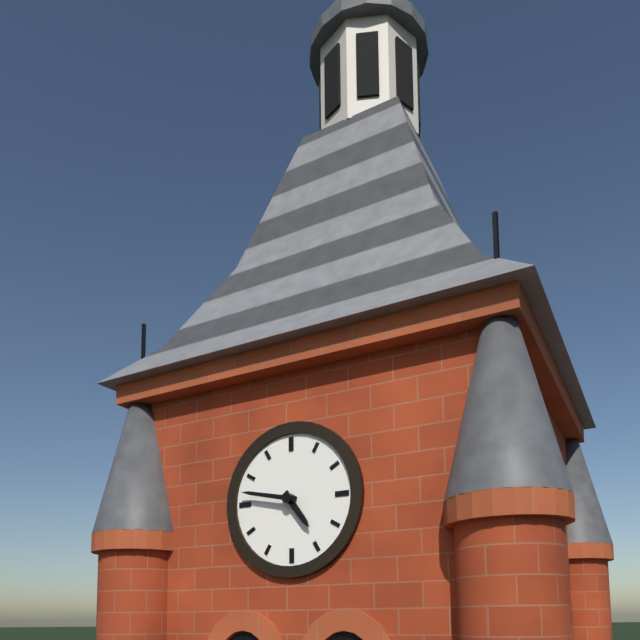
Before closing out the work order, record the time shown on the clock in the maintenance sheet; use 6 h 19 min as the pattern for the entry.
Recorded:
4 h 47 min
